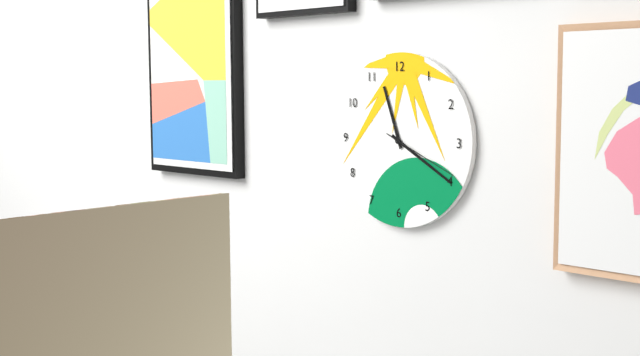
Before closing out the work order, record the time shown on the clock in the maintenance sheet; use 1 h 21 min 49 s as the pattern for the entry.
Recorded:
11 h 20 min 19 s
